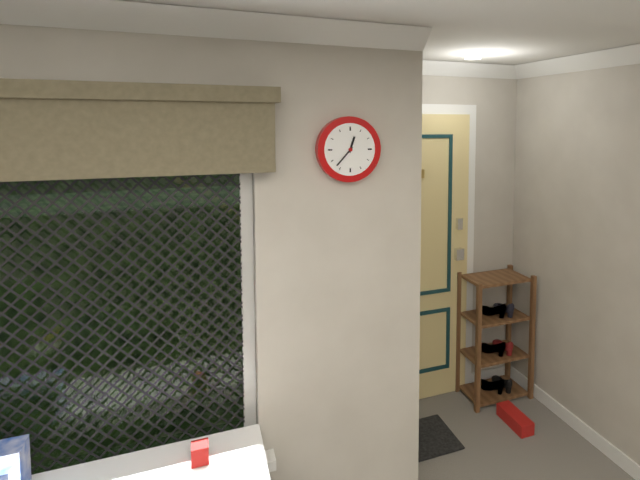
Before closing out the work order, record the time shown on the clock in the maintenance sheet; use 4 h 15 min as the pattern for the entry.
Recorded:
12 h 37 min
